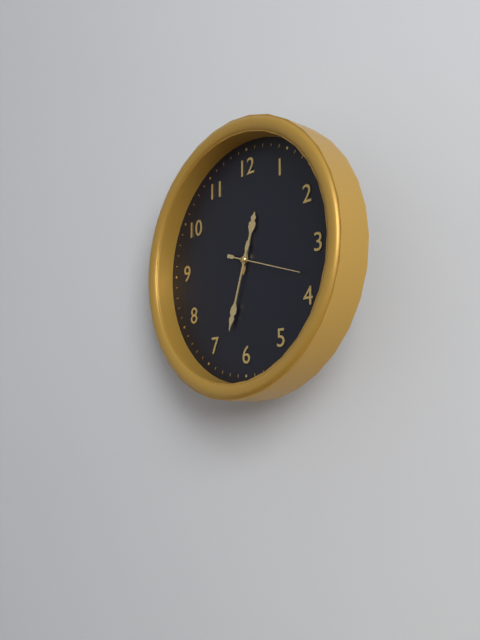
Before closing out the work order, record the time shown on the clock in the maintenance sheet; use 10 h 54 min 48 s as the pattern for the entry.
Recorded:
12 h 33 min 18 s
